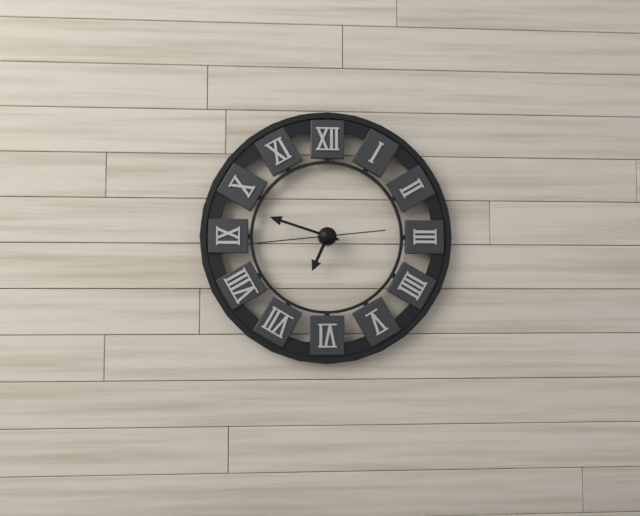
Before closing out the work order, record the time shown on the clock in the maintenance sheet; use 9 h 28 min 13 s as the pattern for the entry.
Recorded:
6 h 48 min 44 s
